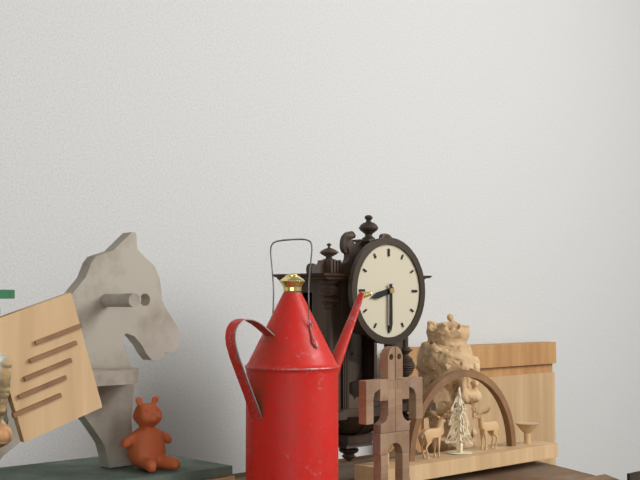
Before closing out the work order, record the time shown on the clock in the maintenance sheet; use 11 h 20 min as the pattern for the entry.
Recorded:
8 h 30 min
